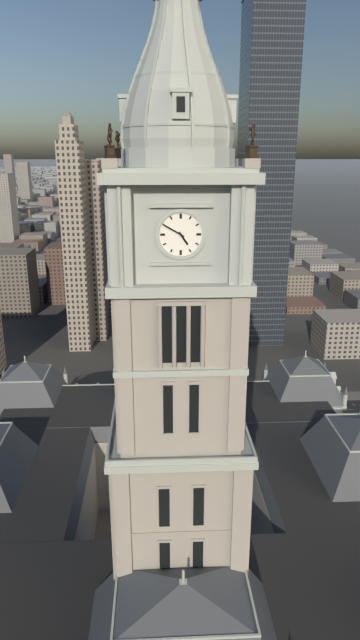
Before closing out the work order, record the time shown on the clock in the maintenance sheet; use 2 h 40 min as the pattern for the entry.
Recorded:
4 h 50 min
